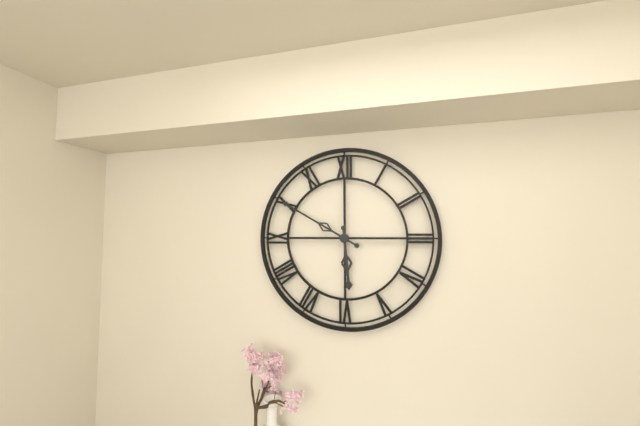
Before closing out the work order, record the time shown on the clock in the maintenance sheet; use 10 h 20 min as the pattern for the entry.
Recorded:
5 h 50 min
